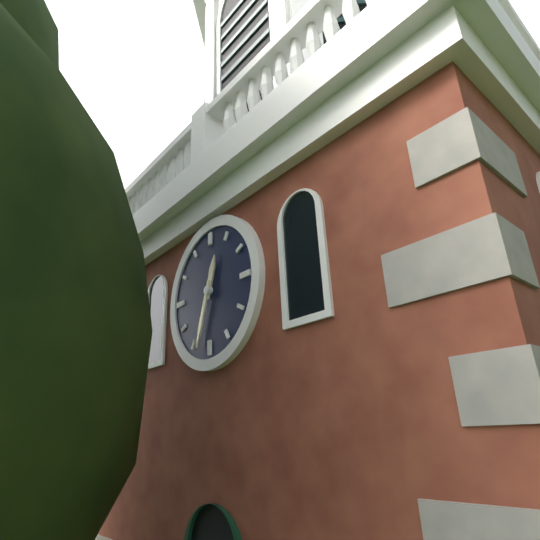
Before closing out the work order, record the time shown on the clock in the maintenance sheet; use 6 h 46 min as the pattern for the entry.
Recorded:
12 h 33 min
